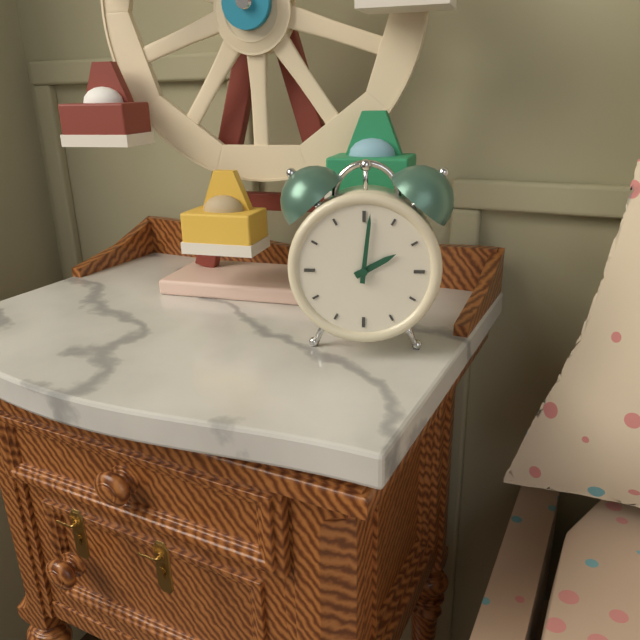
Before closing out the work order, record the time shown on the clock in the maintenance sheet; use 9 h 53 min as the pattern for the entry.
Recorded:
2 h 01 min
